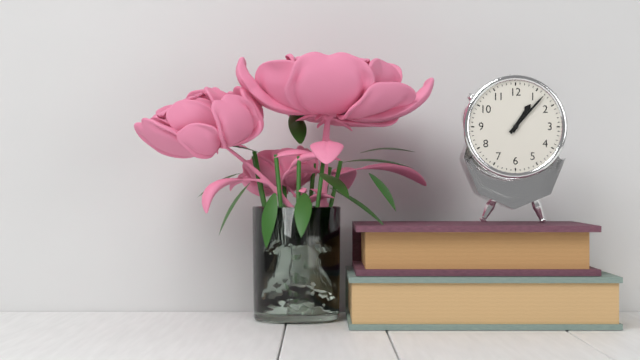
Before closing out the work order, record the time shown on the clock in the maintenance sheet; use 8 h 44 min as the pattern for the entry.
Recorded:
1 h 07 min
